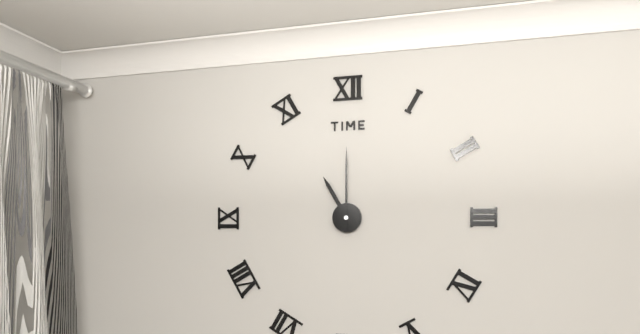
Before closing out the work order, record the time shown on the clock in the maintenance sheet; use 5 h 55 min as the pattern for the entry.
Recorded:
11 h 00 min
